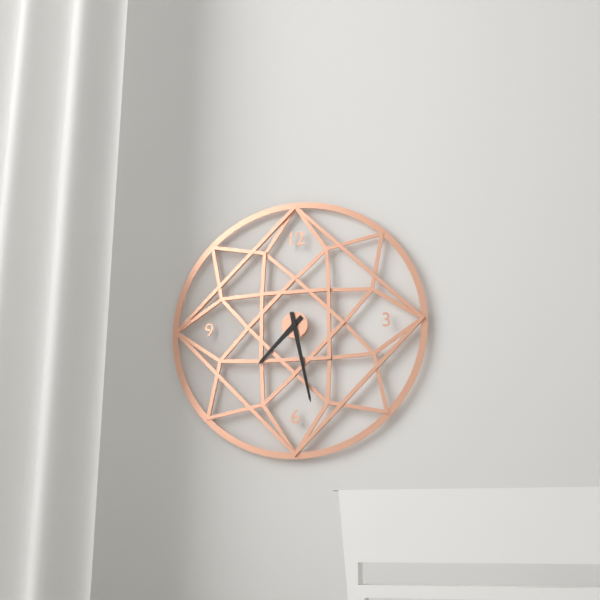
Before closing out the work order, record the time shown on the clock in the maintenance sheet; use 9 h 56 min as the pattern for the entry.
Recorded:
7 h 28 min
